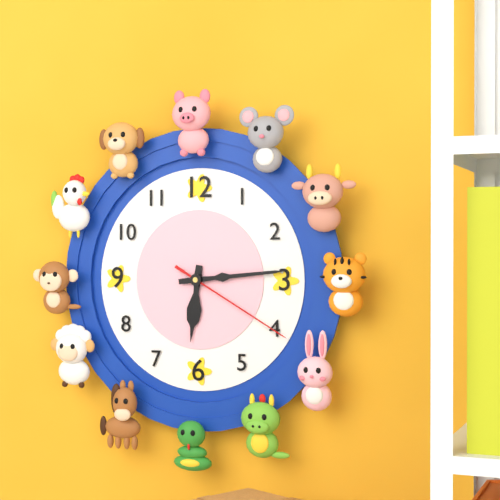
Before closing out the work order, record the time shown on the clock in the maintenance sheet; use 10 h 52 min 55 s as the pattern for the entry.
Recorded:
6 h 14 min 20 s
